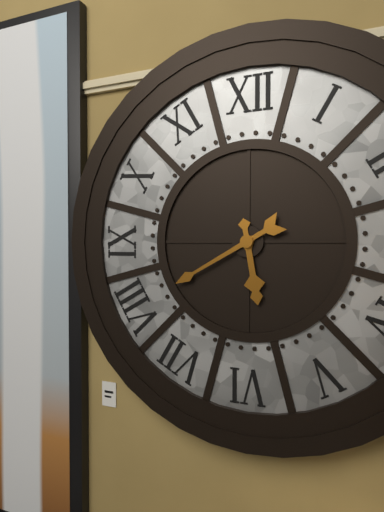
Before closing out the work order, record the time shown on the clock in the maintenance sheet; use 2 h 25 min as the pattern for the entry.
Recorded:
5 h 40 min
